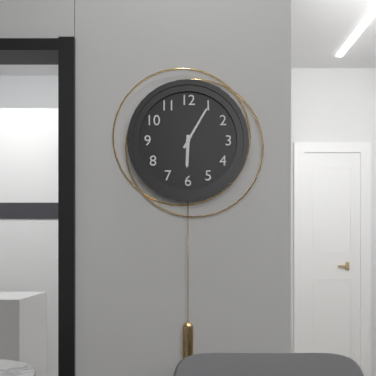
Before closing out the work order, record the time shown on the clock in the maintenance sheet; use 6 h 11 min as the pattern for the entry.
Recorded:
6 h 05 min
